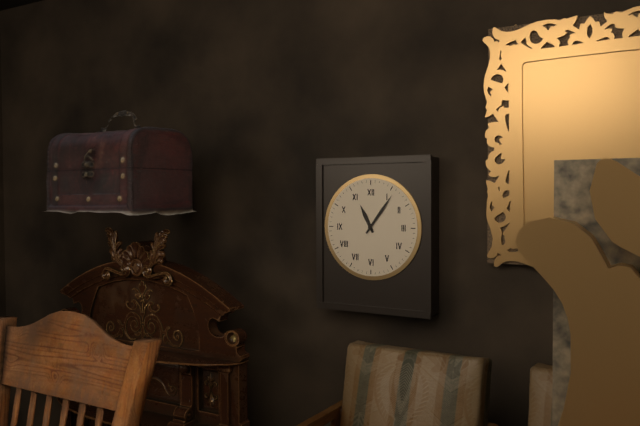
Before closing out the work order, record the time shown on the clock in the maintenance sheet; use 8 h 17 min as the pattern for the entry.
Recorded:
11 h 06 min
